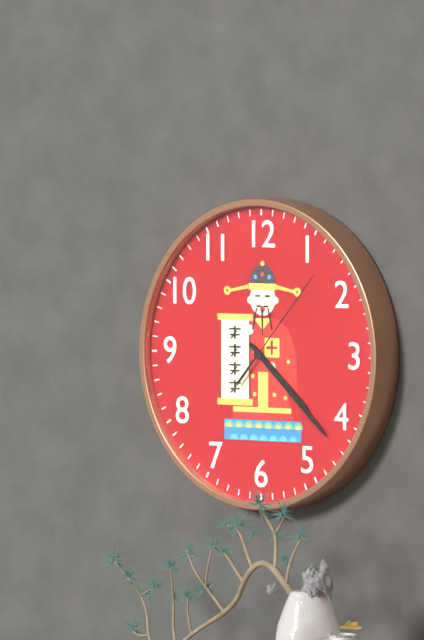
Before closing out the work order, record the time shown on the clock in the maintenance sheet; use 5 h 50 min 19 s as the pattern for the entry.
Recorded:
4 h 22 min 07 s
